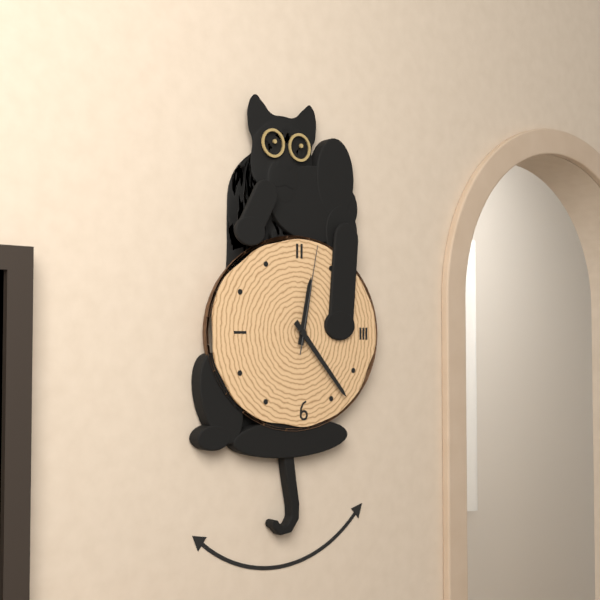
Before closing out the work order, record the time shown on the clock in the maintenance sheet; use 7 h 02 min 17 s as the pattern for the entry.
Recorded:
12 h 23 min 02 s
